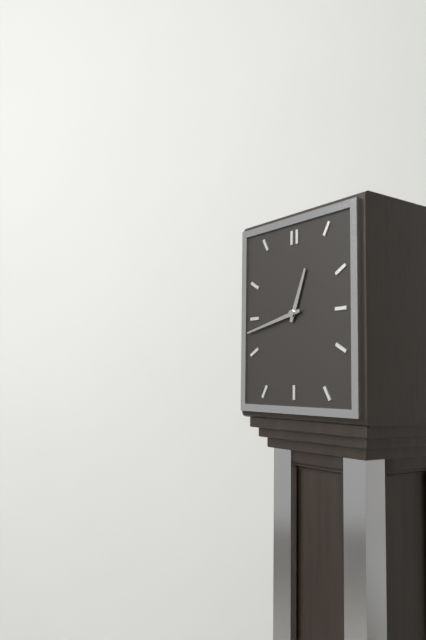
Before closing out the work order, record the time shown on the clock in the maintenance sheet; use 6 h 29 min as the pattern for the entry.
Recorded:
12 h 43 min
